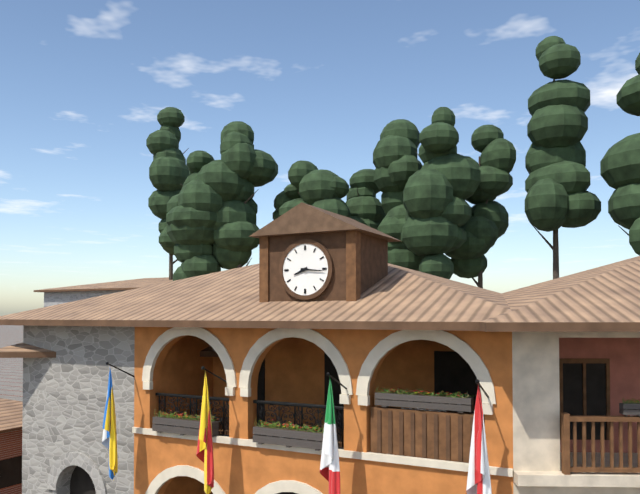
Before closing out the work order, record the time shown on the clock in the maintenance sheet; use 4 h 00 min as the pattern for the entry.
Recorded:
8 h 16 min
